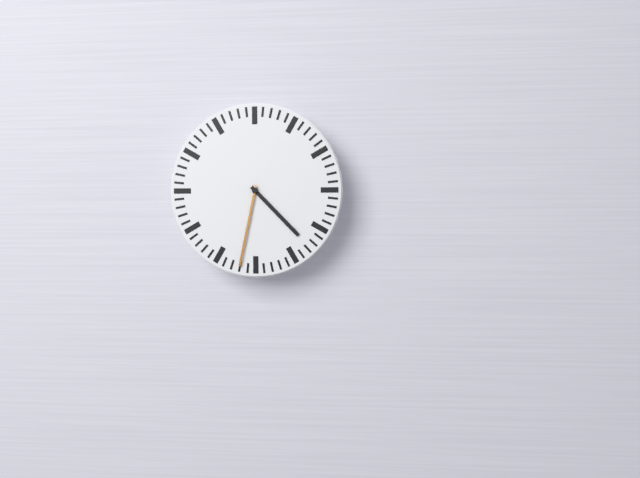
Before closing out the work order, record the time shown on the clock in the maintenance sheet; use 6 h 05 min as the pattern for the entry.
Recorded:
4 h 32 min
